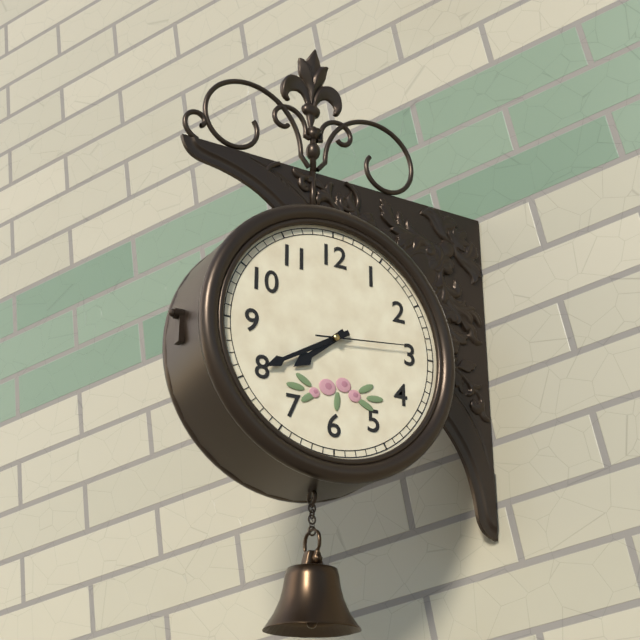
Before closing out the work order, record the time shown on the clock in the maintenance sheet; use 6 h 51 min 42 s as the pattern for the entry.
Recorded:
7 h 40 min 14 s
